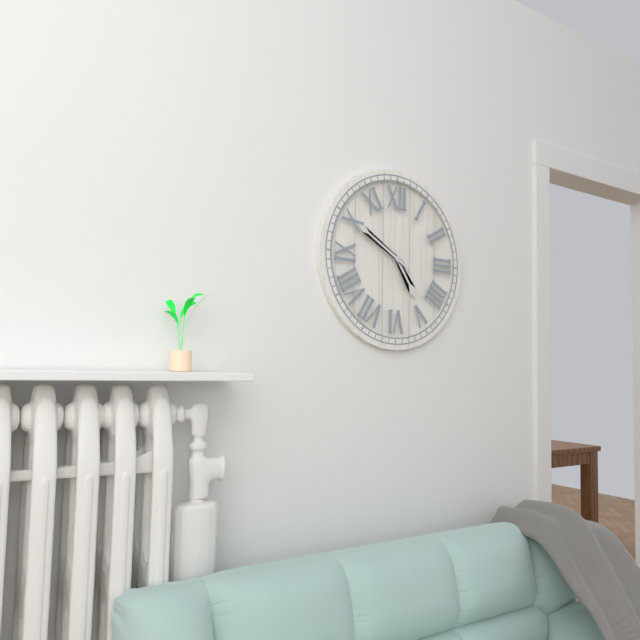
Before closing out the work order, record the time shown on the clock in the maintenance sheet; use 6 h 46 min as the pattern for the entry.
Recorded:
4 h 50 min
